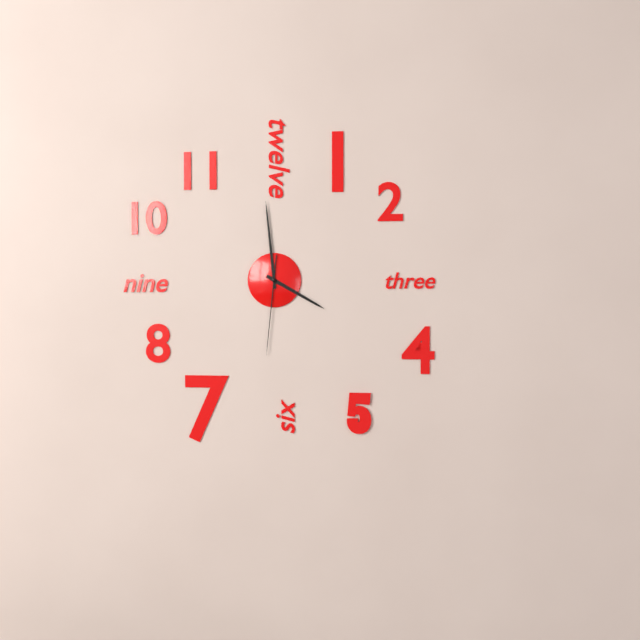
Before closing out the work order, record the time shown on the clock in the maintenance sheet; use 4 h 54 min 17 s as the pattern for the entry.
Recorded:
3 h 59 min 31 s
